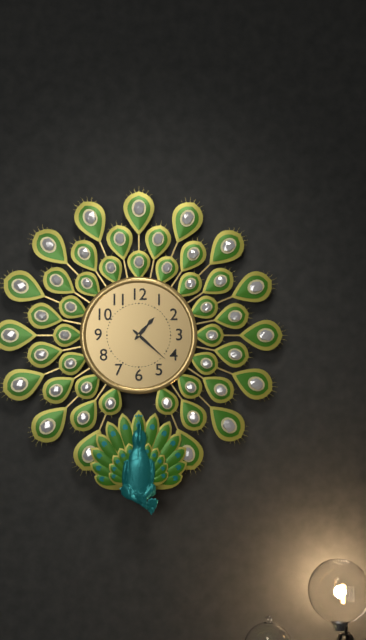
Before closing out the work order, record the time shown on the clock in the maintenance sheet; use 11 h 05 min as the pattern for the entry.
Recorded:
1 h 22 min
